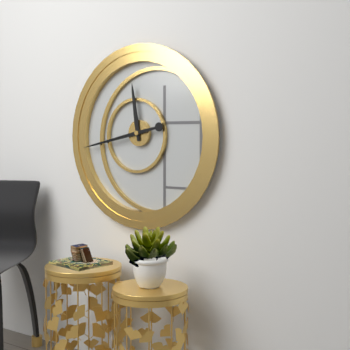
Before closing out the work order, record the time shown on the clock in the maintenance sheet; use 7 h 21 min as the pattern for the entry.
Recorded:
11 h 43 min
